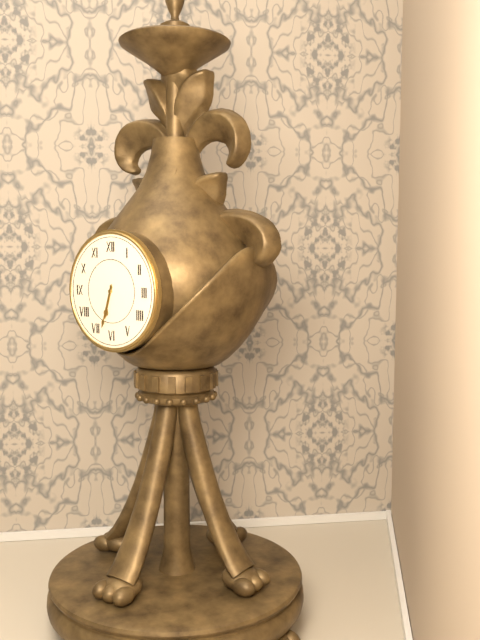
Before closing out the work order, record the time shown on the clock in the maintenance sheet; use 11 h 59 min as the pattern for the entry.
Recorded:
6 h 33 min
